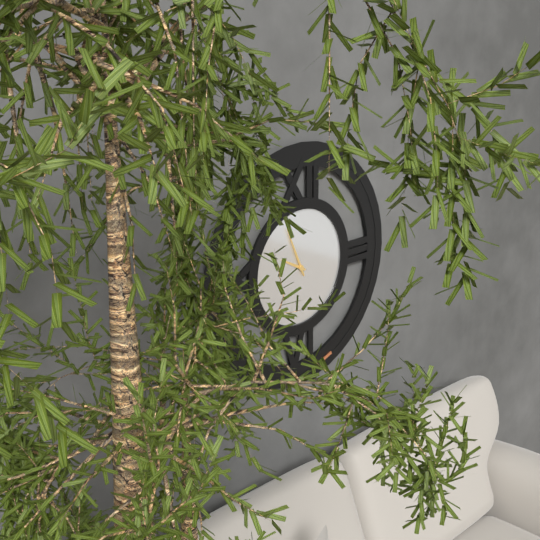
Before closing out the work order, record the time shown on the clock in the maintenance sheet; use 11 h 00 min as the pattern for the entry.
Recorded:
9 h 56 min
